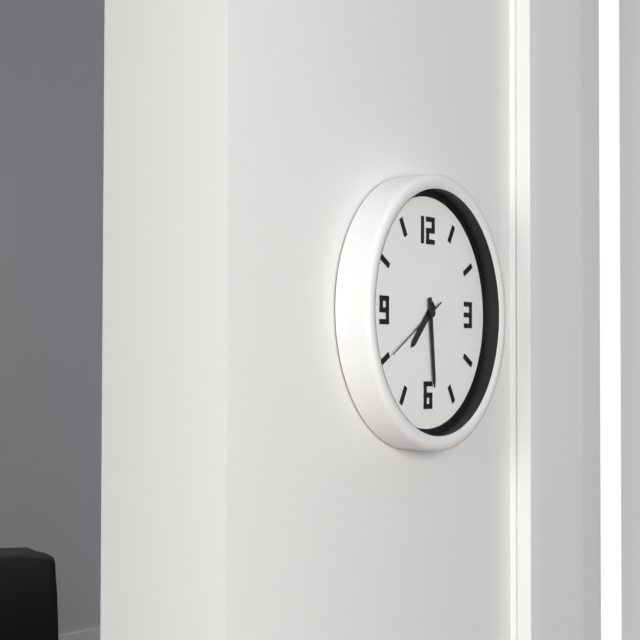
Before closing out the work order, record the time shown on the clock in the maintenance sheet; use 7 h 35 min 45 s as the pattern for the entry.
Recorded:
7 h 29 min 40 s
